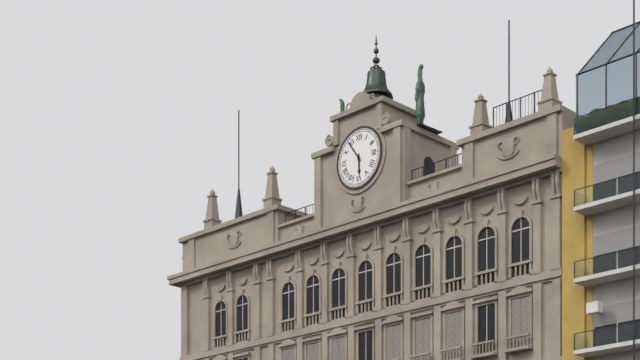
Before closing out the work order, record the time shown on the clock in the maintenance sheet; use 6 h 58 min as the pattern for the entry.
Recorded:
5 h 54 min
